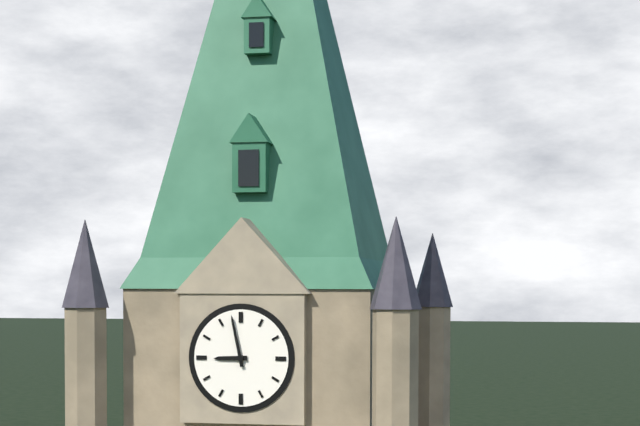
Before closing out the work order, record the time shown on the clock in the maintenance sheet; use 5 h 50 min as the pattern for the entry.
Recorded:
8 h 58 min
